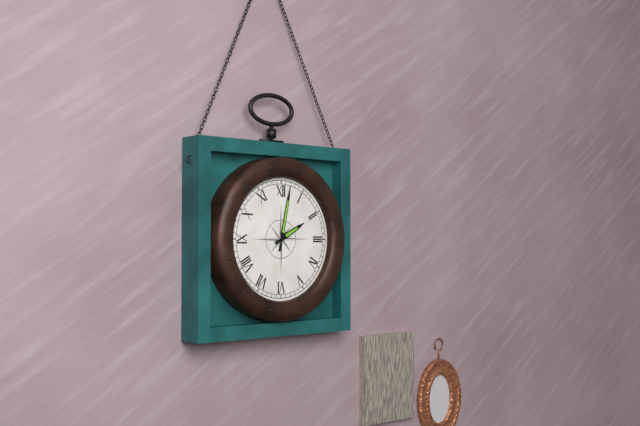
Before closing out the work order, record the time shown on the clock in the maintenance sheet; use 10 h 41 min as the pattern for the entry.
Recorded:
2 h 02 min
